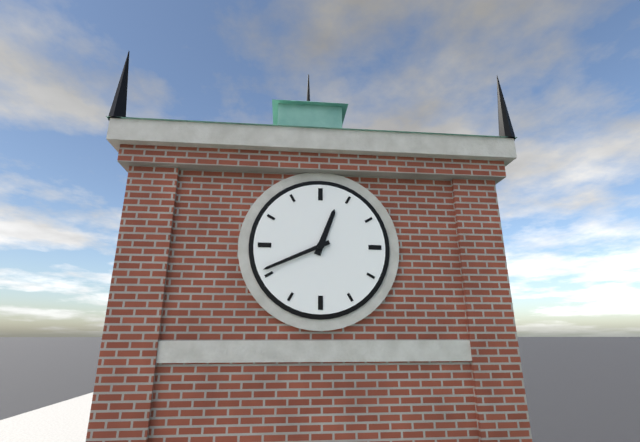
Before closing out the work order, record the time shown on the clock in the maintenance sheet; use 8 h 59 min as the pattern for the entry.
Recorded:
12 h 41 min
